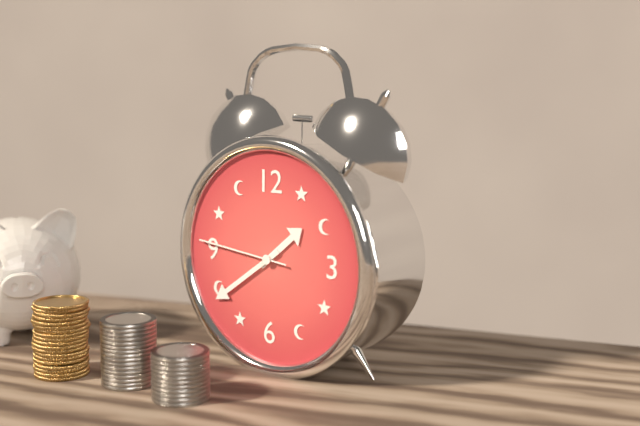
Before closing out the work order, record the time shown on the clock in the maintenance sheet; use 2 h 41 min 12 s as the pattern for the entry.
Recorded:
1 h 39 min 46 s
